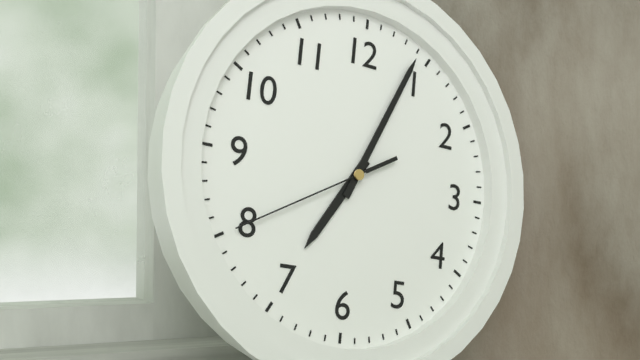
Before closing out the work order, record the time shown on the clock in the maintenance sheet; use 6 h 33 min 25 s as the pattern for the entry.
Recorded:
7 h 04 min 40 s
